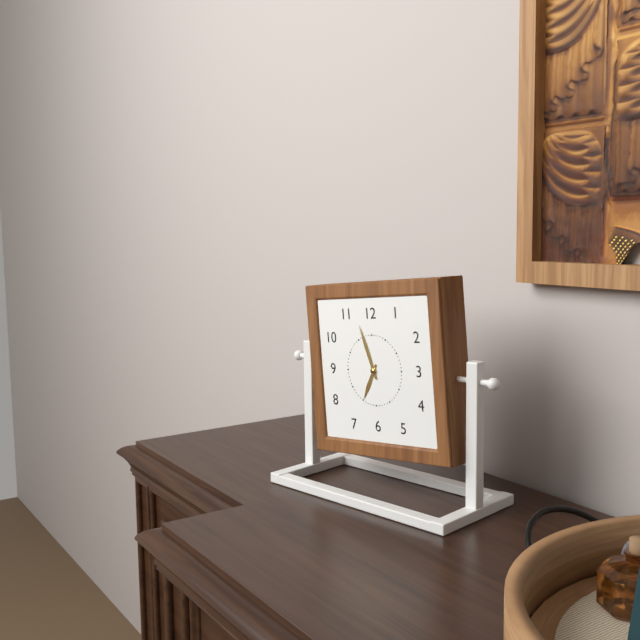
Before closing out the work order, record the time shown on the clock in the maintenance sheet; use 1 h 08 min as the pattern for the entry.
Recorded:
6 h 57 min
